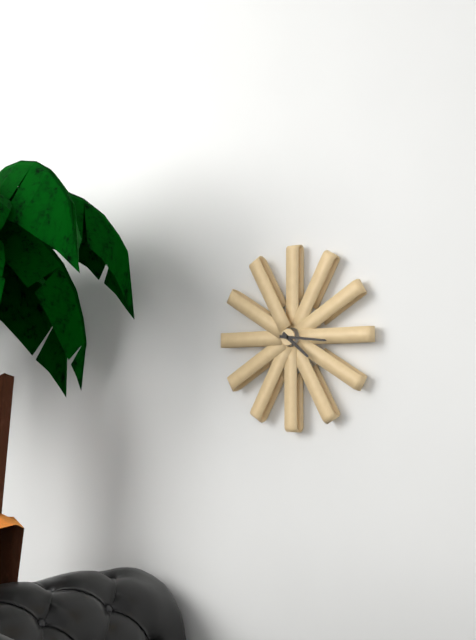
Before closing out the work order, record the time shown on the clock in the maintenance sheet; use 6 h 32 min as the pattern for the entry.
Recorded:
4 h 16 min
